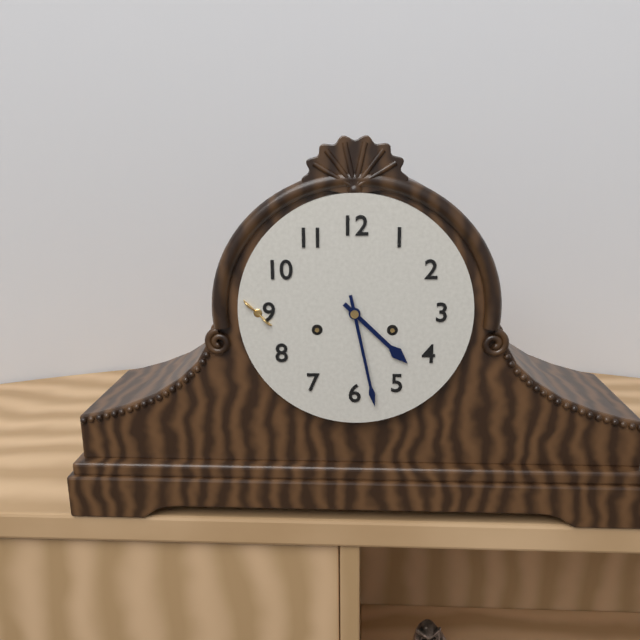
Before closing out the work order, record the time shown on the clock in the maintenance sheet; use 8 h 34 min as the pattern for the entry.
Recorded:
4 h 28 min
